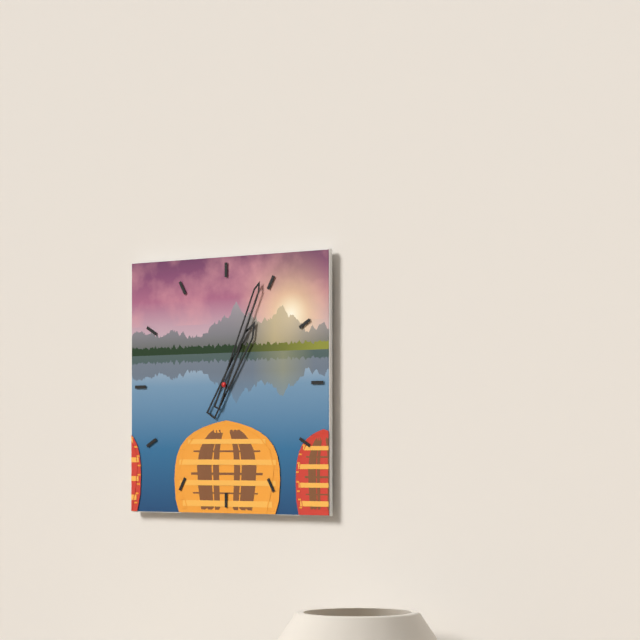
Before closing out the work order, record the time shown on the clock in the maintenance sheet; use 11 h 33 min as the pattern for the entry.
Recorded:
1 h 04 min
